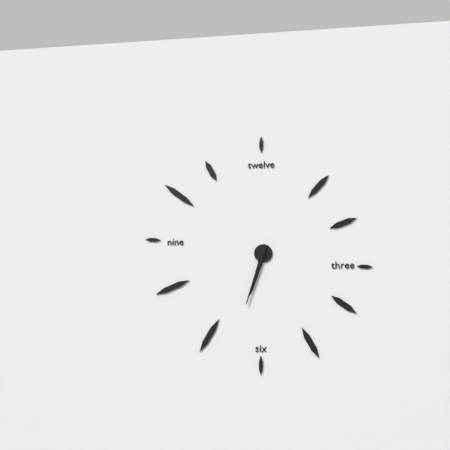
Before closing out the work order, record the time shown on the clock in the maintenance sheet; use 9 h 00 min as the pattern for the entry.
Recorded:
6 h 33 min
